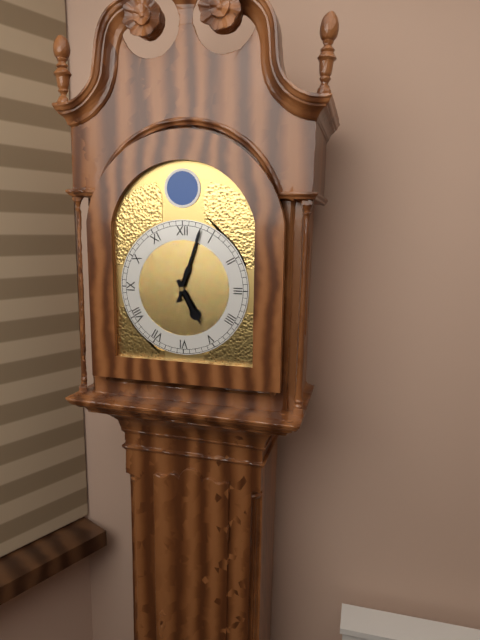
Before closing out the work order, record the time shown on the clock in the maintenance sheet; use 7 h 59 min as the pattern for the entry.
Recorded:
5 h 03 min
